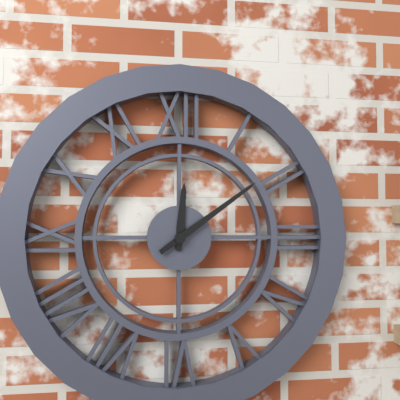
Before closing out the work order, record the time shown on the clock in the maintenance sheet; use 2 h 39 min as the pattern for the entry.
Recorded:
12 h 09 min
